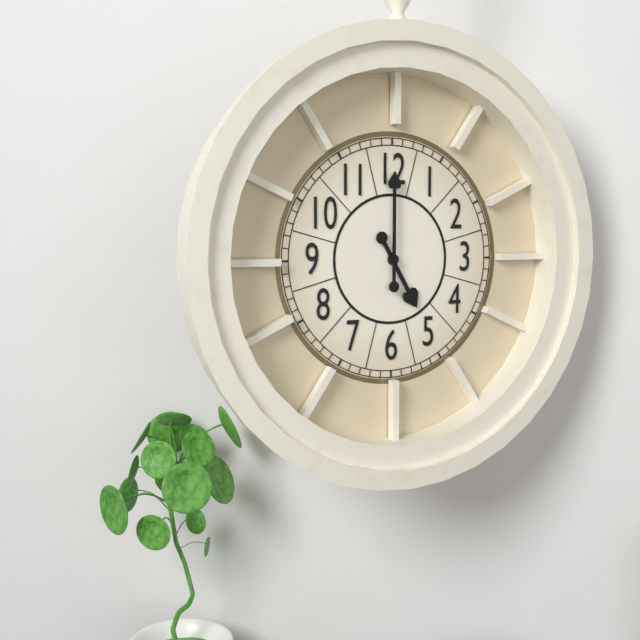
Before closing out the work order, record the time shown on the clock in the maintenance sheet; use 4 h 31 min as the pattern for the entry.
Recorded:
5 h 00 min
